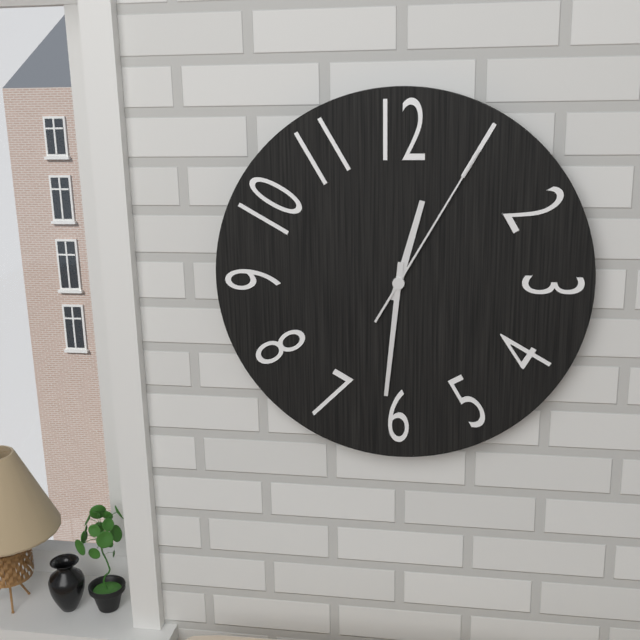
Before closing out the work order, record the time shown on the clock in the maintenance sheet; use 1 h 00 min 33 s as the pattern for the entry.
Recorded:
12 h 31 min 05 s
